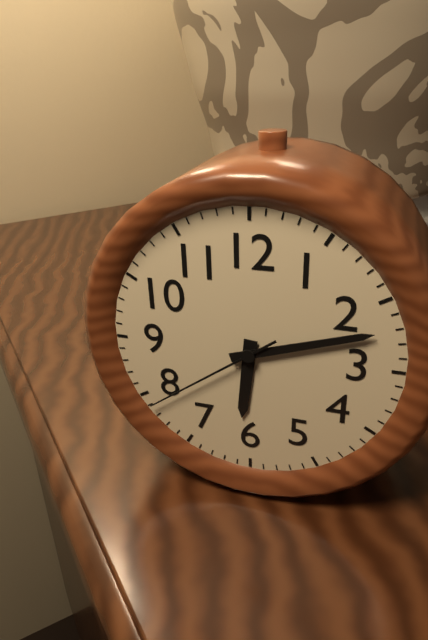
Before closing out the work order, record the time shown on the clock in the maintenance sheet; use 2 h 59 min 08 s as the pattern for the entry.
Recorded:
6 h 12 min 39 s
